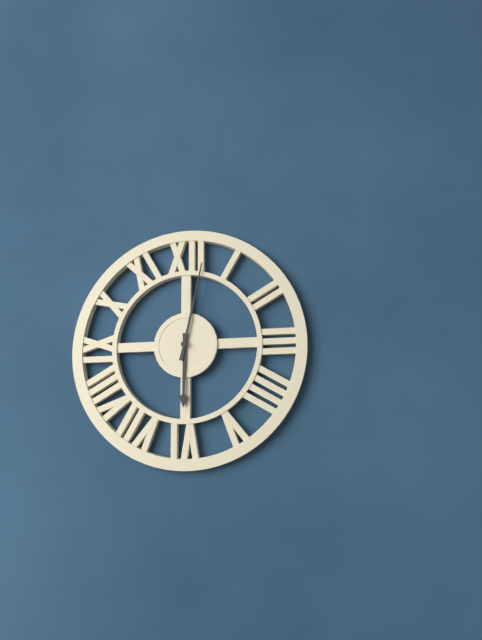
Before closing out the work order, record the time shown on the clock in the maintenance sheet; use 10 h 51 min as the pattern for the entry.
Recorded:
6 h 02 min
